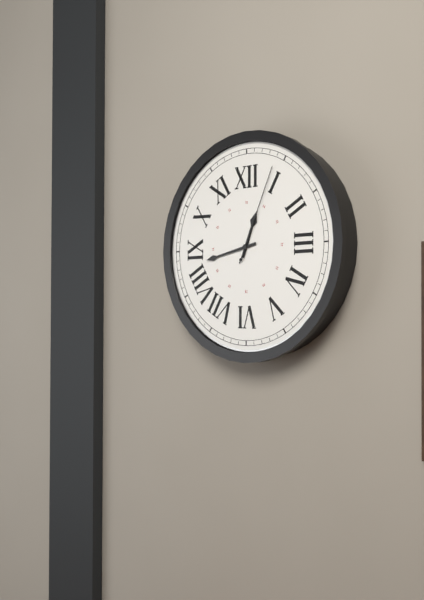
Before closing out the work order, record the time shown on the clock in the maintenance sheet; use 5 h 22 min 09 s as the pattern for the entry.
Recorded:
12 h 43 min 04 s
